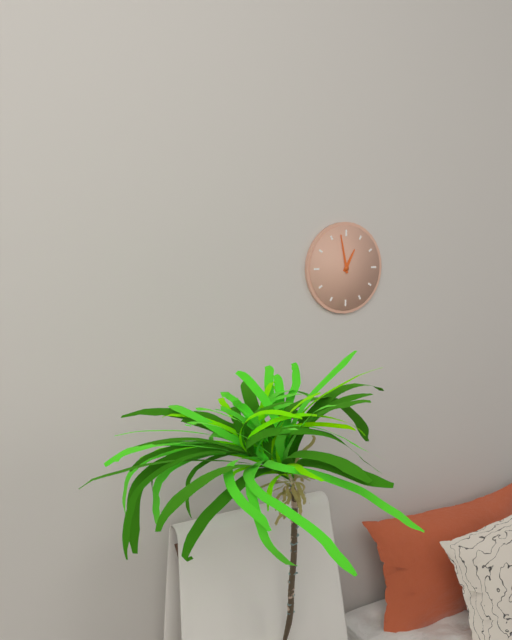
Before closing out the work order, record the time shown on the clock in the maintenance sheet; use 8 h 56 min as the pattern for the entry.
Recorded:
12 h 58 min
